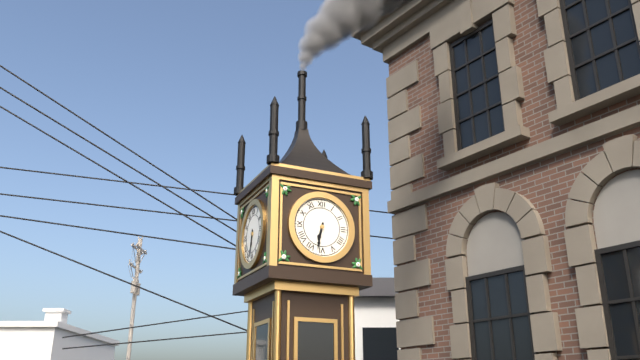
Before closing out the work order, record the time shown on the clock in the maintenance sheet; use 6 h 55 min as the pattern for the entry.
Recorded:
6 h 32 min
